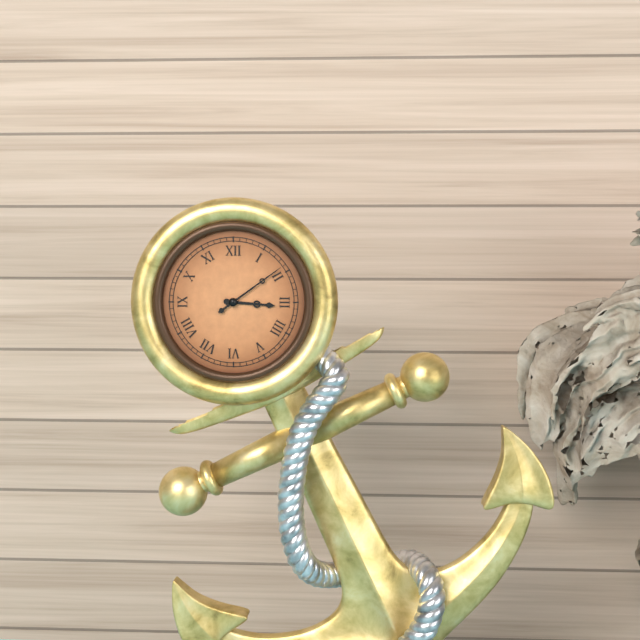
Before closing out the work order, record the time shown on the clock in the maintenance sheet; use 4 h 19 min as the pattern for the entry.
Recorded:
3 h 09 min
